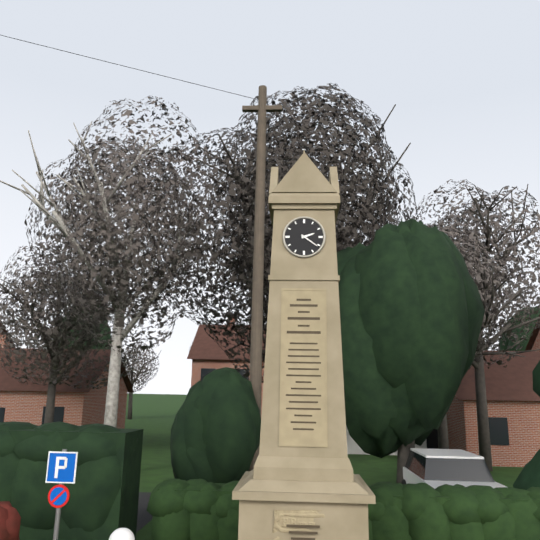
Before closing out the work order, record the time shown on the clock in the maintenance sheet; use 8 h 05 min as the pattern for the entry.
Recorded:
2 h 21 min
